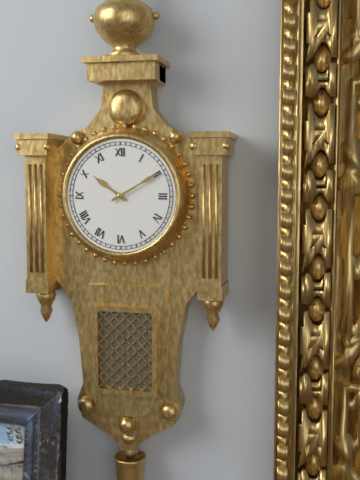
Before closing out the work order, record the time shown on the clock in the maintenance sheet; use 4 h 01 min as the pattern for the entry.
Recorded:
10 h 10 min
